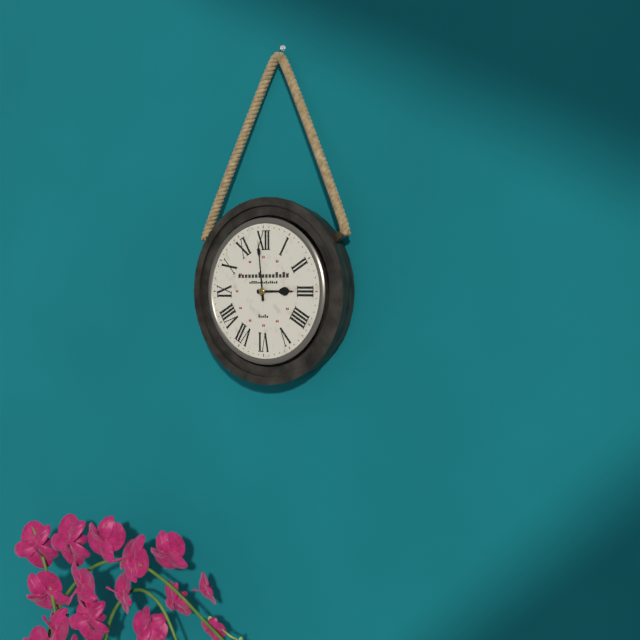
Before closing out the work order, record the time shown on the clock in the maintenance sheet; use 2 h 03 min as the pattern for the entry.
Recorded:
2 h 59 min
